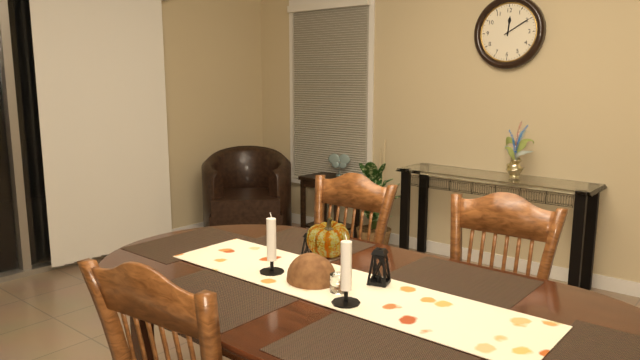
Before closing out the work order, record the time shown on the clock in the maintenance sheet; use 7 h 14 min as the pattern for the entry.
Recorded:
12 h 10 min
